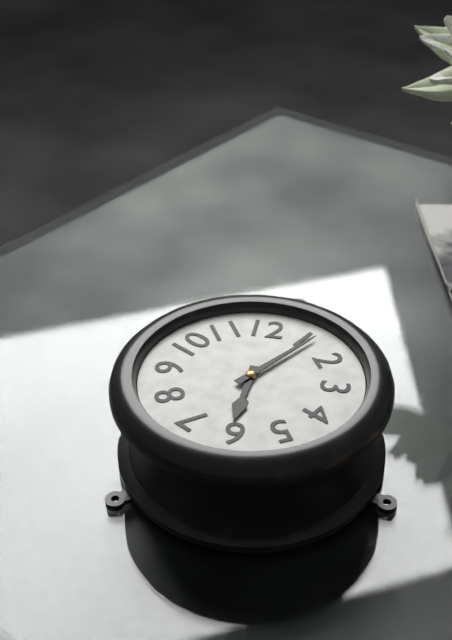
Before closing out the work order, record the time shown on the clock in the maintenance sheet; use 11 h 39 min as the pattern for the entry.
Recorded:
6 h 06 min
